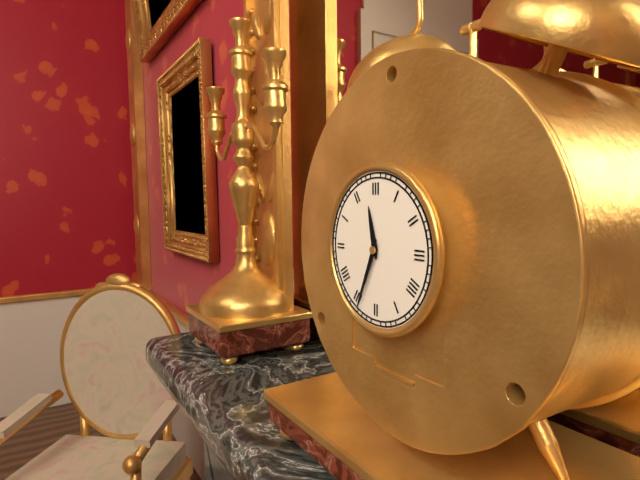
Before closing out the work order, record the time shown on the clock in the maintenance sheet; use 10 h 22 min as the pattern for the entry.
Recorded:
11 h 34 min
